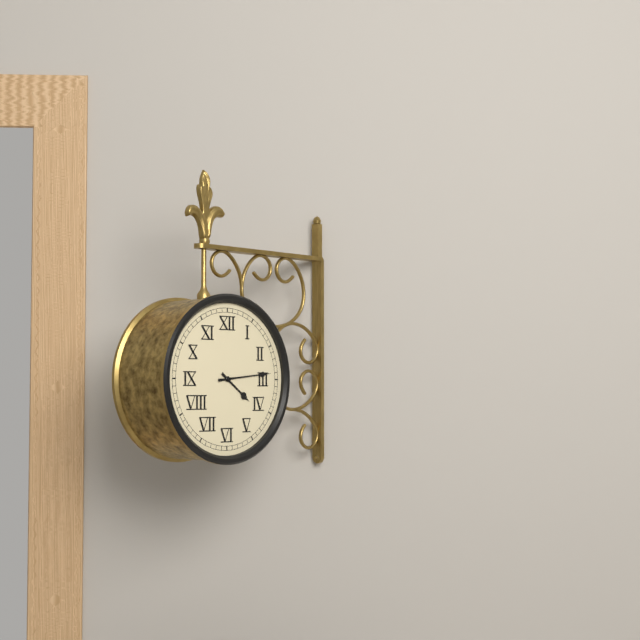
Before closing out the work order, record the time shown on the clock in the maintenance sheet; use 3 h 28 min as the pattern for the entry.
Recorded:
4 h 14 min
